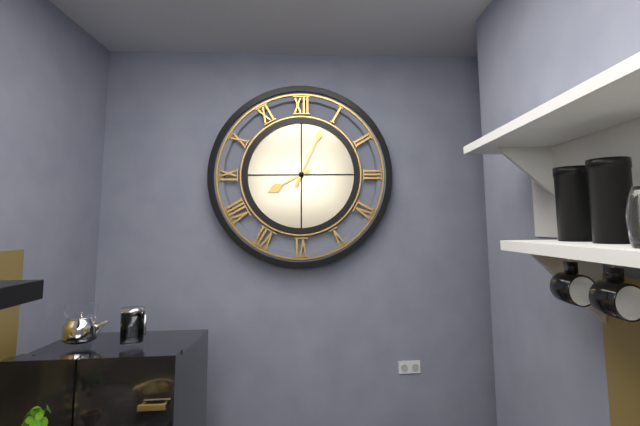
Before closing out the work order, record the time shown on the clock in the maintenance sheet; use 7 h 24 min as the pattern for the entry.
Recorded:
8 h 04 min
